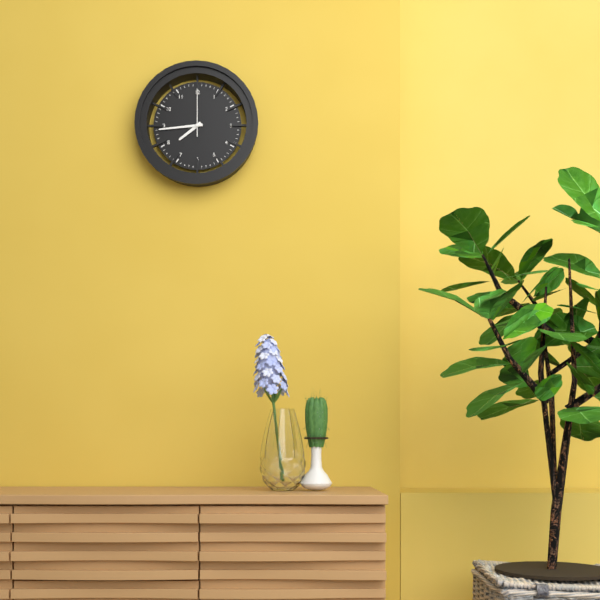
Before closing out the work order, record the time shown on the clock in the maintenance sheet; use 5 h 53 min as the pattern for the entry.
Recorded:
7 h 44 min
